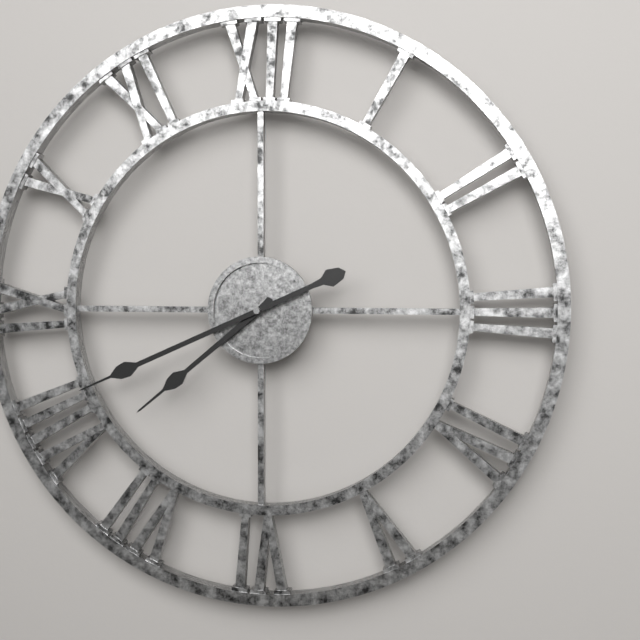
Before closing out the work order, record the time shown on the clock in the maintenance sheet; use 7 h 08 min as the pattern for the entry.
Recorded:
7 h 41 min
